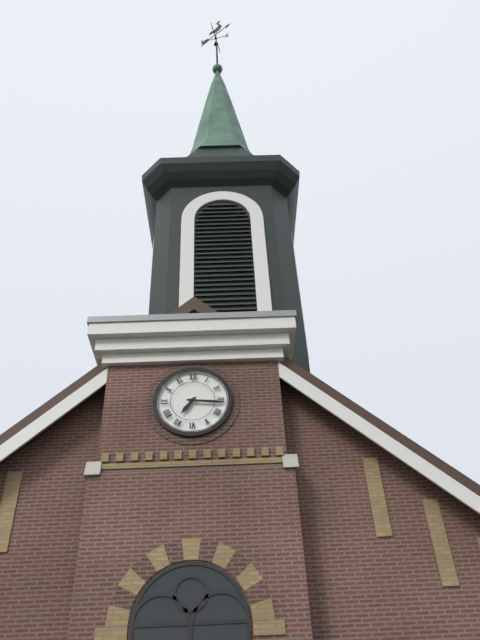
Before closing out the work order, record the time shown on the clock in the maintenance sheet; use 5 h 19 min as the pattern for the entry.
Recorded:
7 h 16 min
